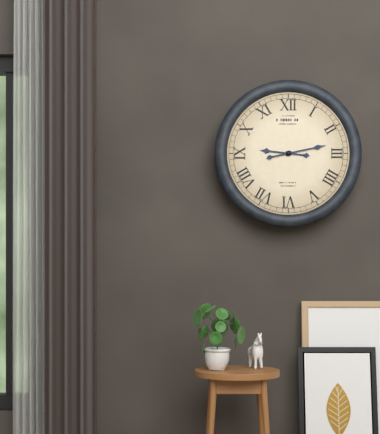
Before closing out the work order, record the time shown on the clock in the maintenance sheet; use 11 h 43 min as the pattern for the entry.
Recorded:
9 h 13 min
